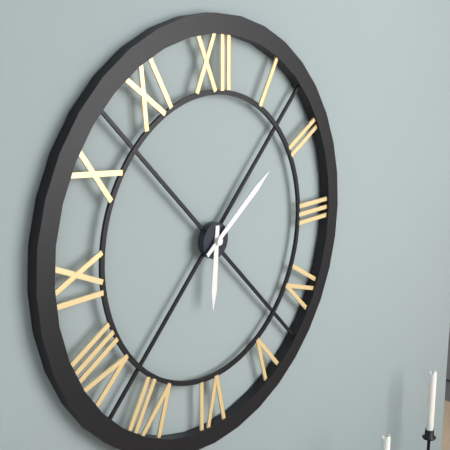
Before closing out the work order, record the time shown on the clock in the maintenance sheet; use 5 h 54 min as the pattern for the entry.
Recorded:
6 h 09 min
